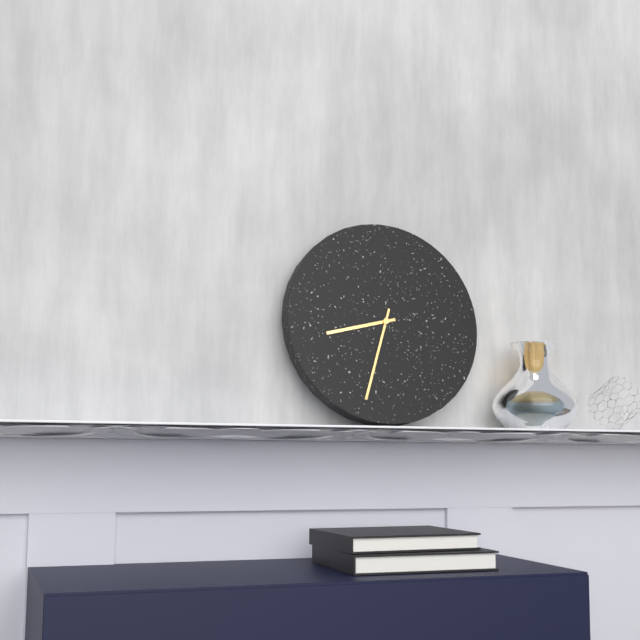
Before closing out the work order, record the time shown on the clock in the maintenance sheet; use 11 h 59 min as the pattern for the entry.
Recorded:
8 h 33 min
